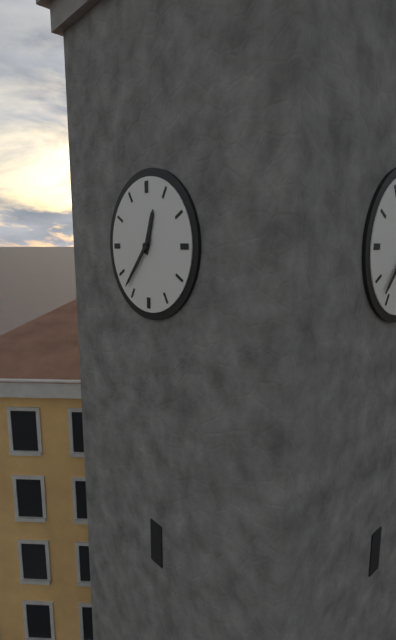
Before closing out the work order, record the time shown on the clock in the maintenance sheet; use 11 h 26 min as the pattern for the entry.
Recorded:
12 h 37 min
